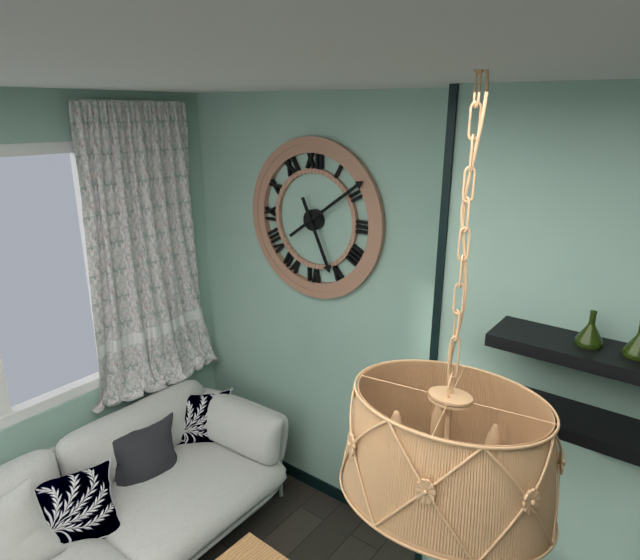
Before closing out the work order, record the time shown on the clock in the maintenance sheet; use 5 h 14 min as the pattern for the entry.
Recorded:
5 h 09 min
